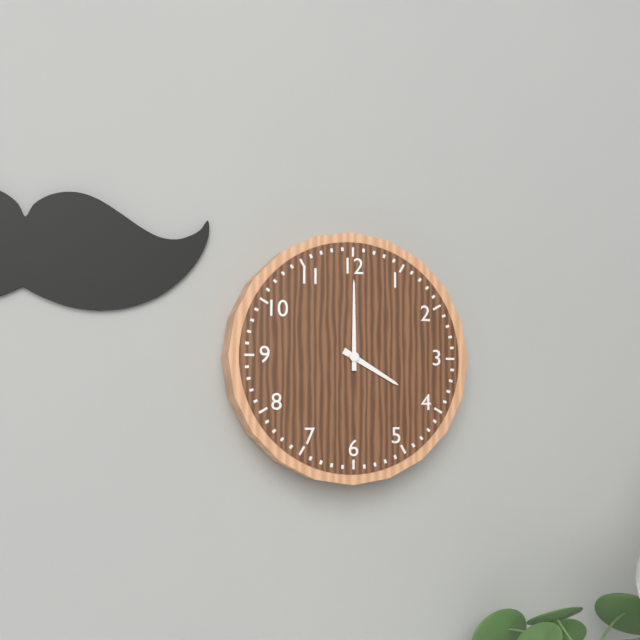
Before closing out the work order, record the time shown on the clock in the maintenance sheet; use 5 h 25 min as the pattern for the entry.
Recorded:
4 h 00 min
